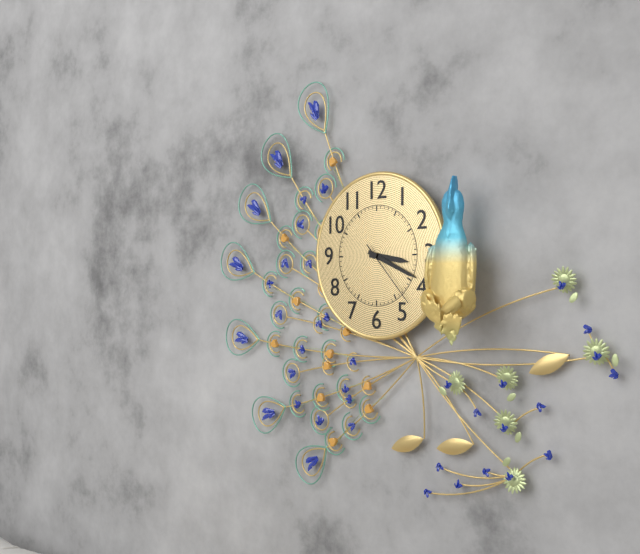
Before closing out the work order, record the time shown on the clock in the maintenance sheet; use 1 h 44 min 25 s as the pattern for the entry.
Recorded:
3 h 19 min 23 s
